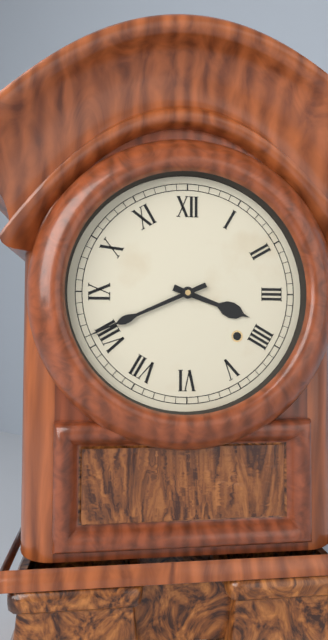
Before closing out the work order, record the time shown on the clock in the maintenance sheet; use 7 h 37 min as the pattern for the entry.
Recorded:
3 h 41 min
